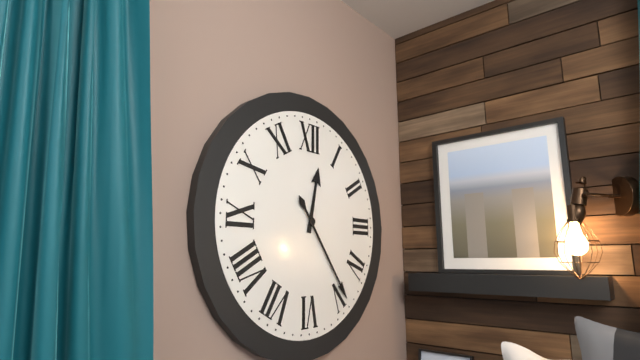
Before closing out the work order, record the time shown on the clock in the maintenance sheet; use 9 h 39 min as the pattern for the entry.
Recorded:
12 h 24 min
